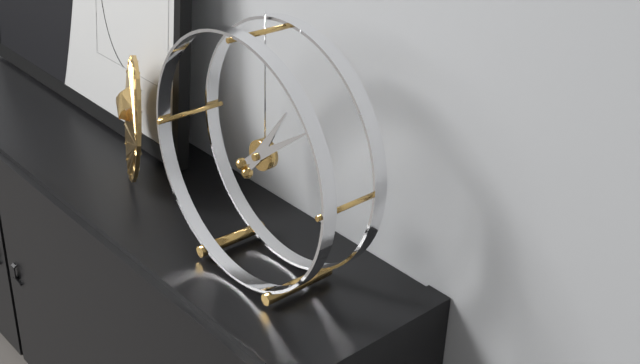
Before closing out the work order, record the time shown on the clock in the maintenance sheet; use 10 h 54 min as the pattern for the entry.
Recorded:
1 h 09 min
